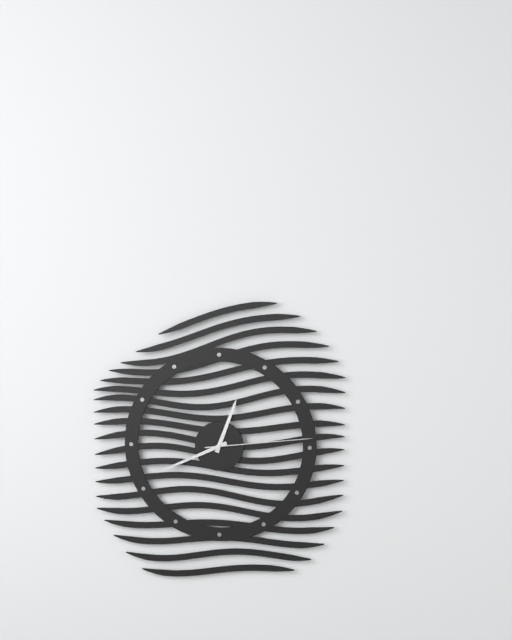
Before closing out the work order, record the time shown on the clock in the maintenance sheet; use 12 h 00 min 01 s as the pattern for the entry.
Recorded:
12 h 41 min 14 s
